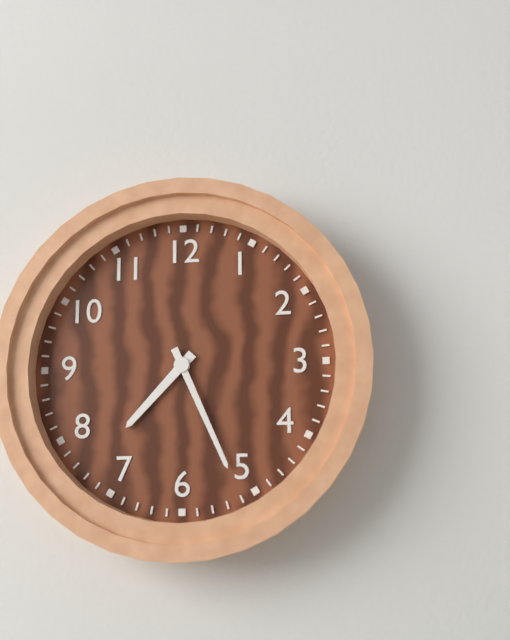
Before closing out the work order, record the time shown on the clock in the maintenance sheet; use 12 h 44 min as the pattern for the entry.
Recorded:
7 h 26 min
